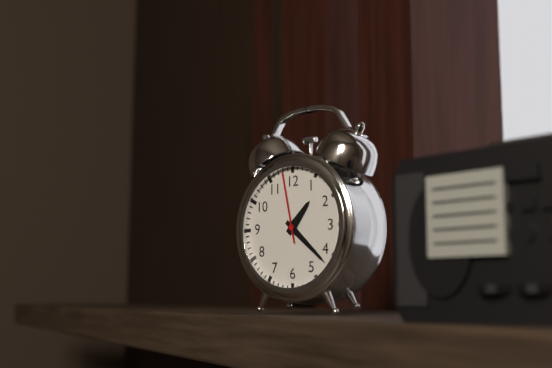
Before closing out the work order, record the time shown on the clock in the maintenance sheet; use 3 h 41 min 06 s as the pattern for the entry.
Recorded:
1 h 22 min 58 s
